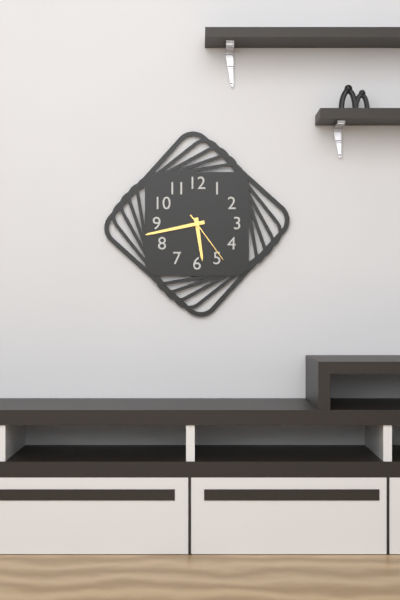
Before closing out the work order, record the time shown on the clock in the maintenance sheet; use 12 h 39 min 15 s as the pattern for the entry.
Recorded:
5 h 43 min 24 s
